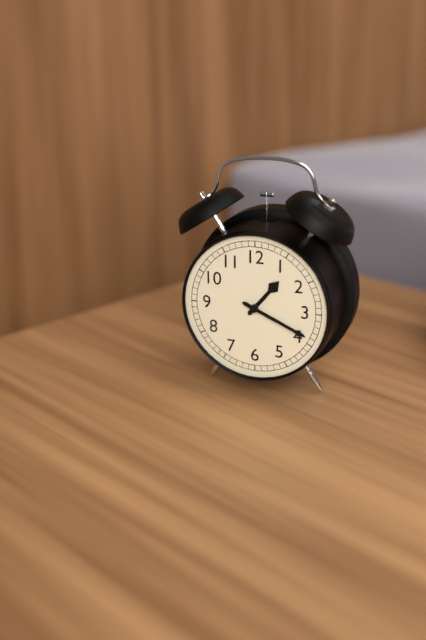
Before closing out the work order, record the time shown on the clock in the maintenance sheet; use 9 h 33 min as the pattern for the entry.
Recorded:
1 h 19 min
